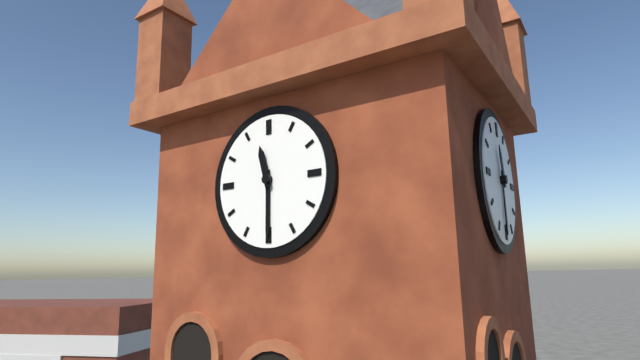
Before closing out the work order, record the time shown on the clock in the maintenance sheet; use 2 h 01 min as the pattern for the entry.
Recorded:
11 h 30 min
